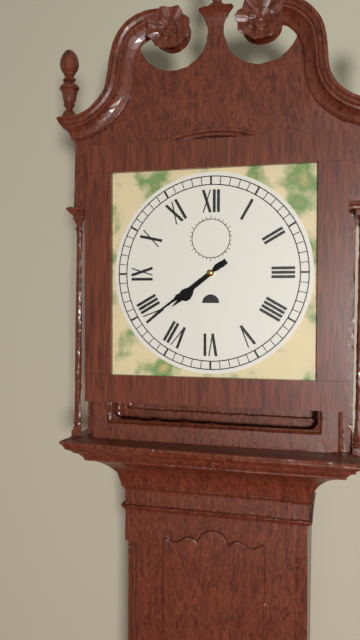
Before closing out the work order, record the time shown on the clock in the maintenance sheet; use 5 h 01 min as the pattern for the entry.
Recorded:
7 h 39 min
